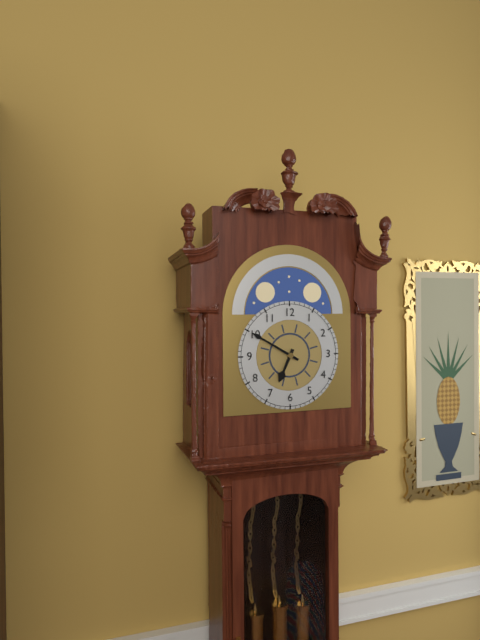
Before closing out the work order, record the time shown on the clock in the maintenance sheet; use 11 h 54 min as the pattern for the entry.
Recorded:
6 h 50 min
